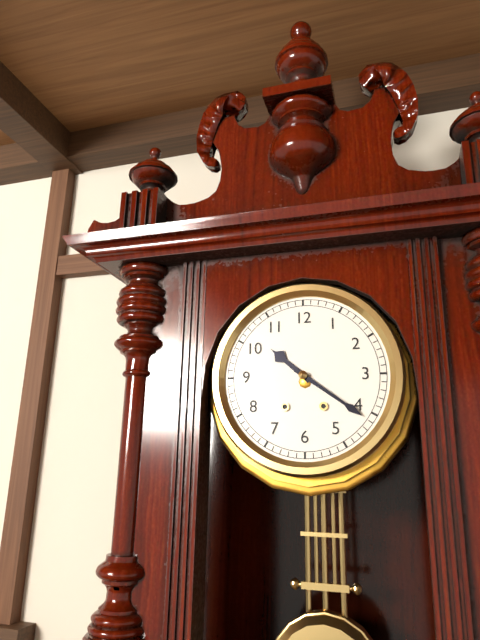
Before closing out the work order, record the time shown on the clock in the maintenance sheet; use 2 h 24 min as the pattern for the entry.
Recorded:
10 h 21 min
